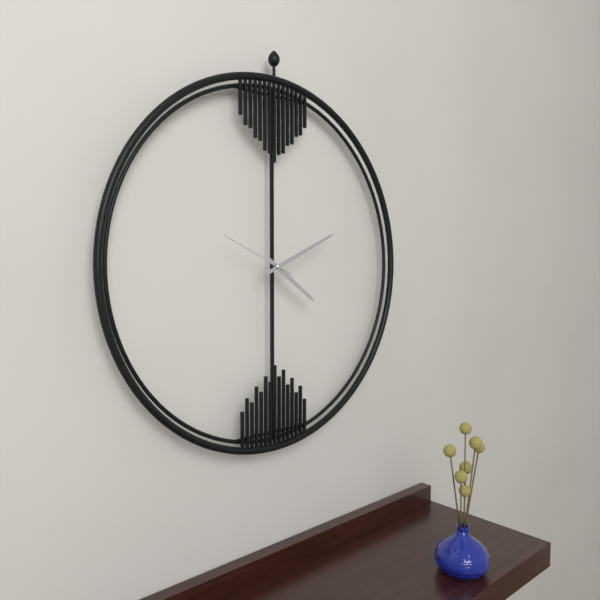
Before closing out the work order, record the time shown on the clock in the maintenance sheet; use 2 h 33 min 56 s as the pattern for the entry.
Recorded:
4 h 11 min 49 s
